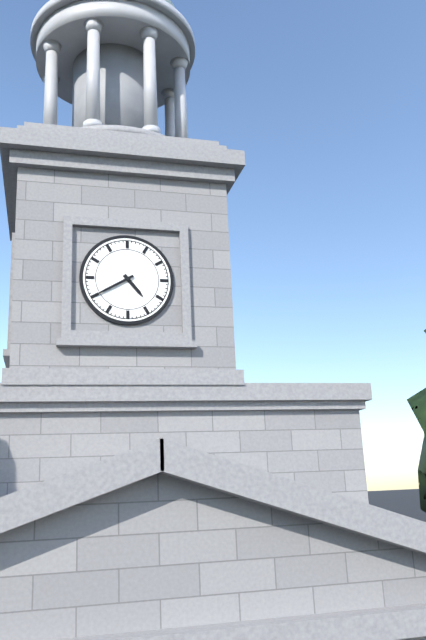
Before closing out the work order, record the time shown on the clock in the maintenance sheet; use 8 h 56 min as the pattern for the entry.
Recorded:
4 h 40 min
